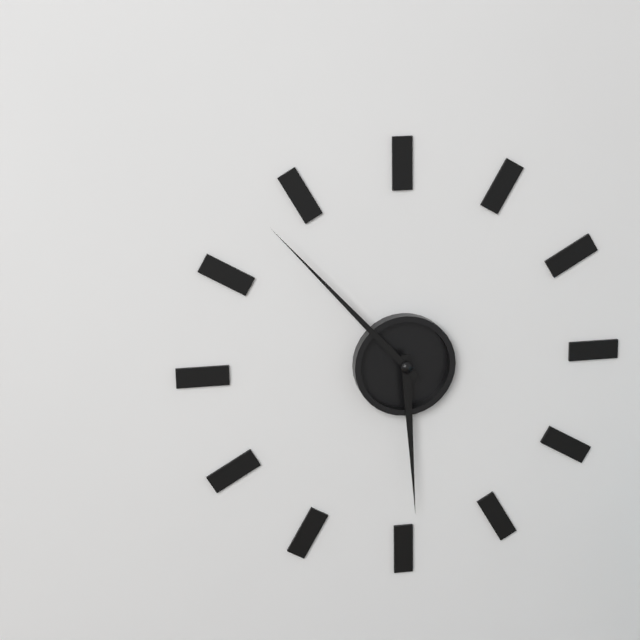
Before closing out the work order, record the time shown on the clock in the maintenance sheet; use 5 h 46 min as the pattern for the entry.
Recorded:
5 h 53 min
